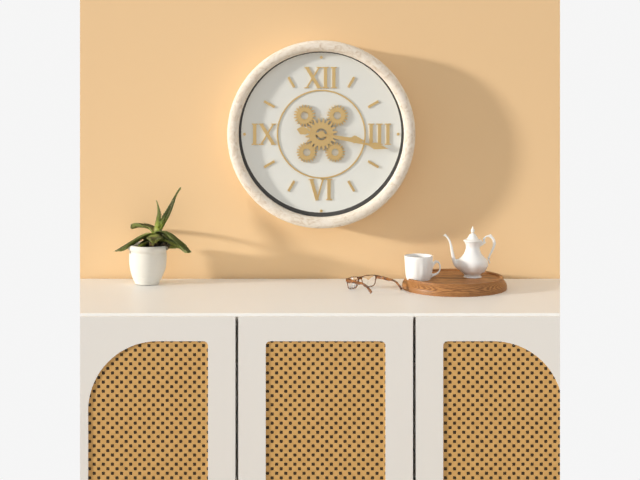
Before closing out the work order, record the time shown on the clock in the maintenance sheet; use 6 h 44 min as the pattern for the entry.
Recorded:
3 h 17 min
